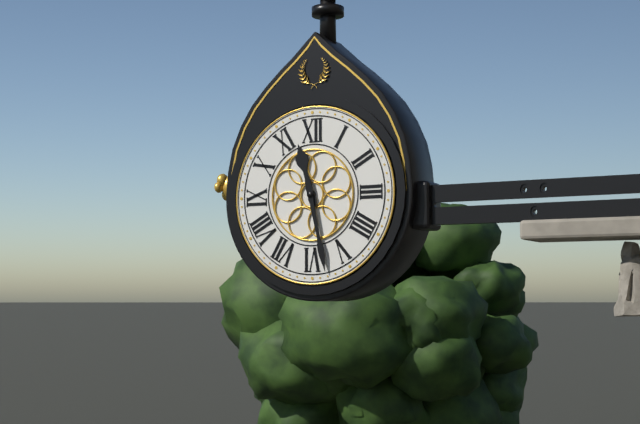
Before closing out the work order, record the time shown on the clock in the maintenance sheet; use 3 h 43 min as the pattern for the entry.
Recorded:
11 h 28 min
